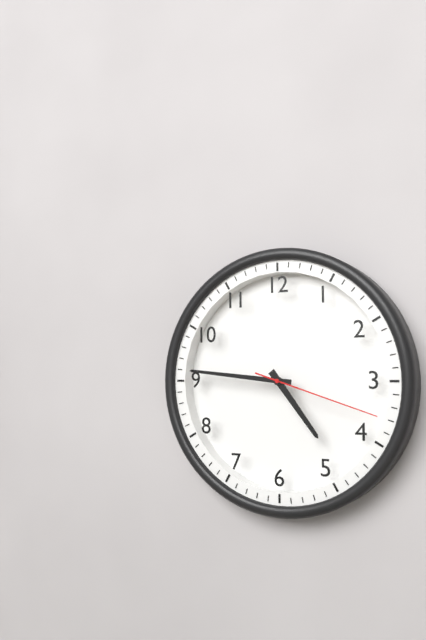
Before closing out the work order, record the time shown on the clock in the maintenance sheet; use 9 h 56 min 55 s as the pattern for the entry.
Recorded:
4 h 46 min 18 s
